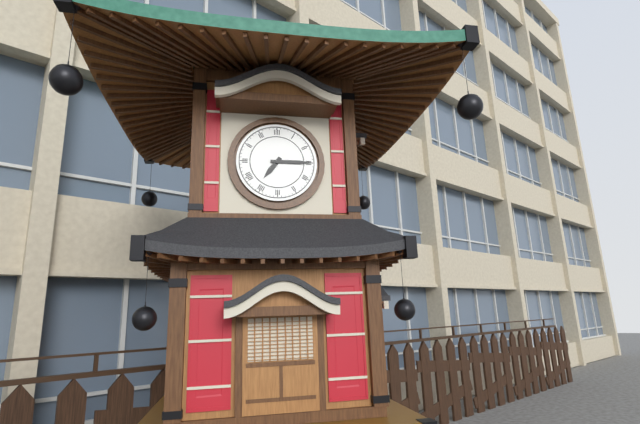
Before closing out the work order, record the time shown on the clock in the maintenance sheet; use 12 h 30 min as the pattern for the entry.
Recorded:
7 h 15 min
